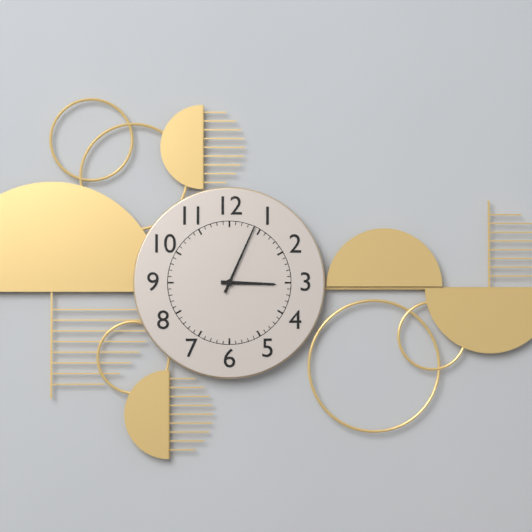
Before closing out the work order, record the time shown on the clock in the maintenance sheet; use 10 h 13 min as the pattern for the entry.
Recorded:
3 h 04 min
